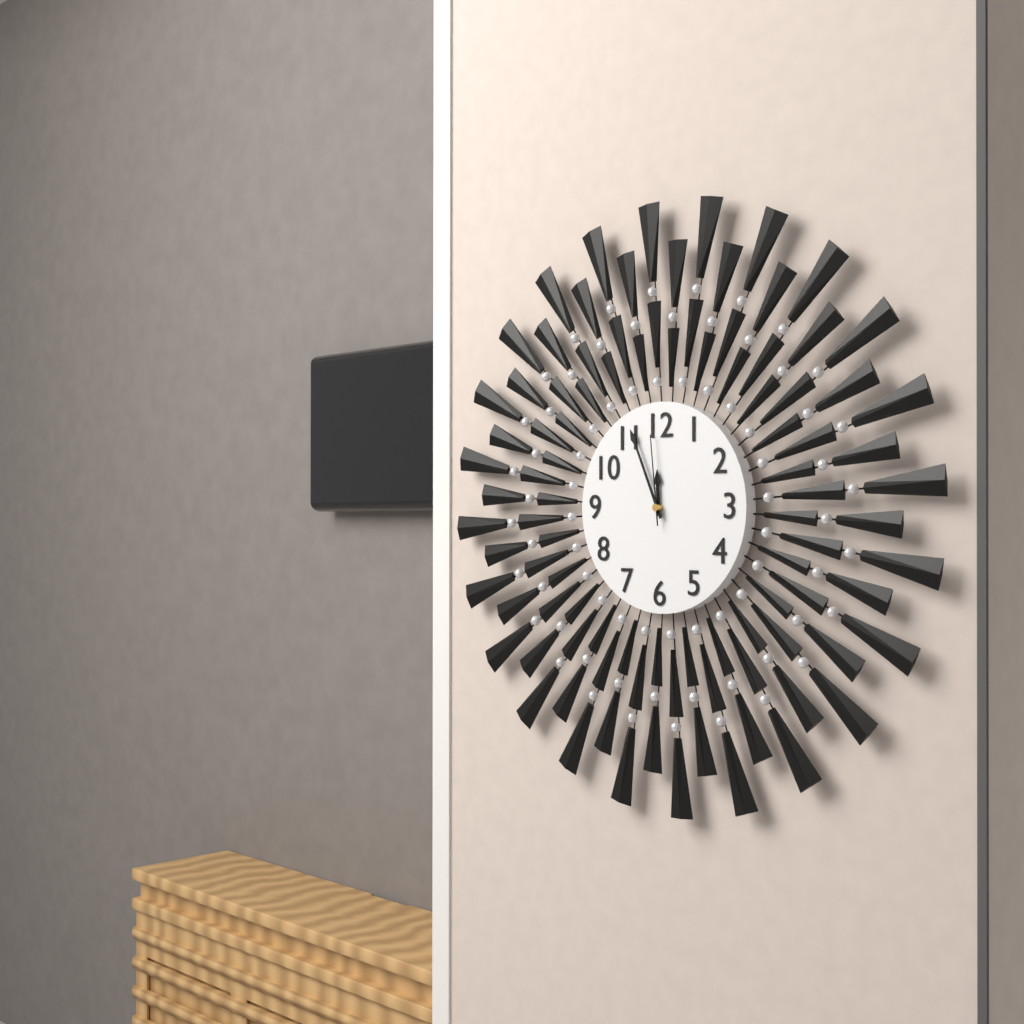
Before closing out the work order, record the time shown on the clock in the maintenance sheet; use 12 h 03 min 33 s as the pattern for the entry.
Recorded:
11 h 56 min 59 s
